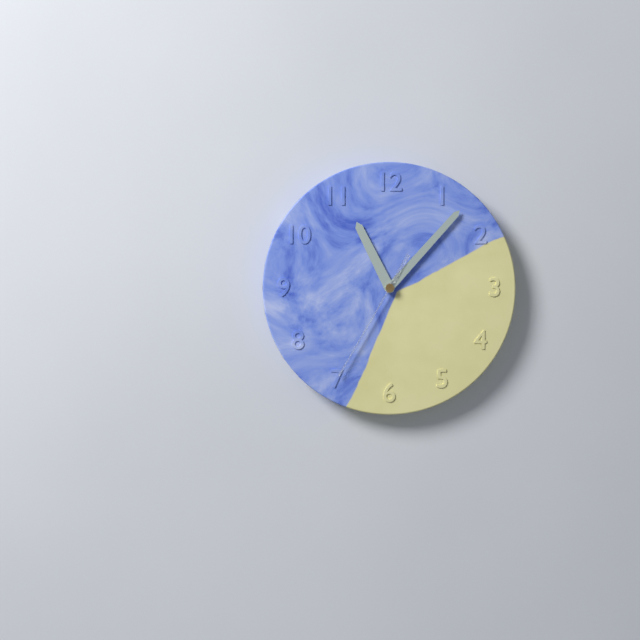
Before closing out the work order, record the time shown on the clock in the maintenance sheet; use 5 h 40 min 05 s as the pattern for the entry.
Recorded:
11 h 07 min 35 s
